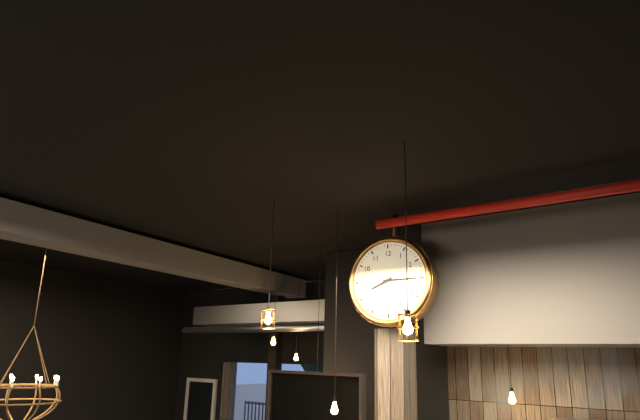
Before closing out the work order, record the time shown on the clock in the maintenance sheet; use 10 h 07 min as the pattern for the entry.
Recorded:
8 h 15 min
